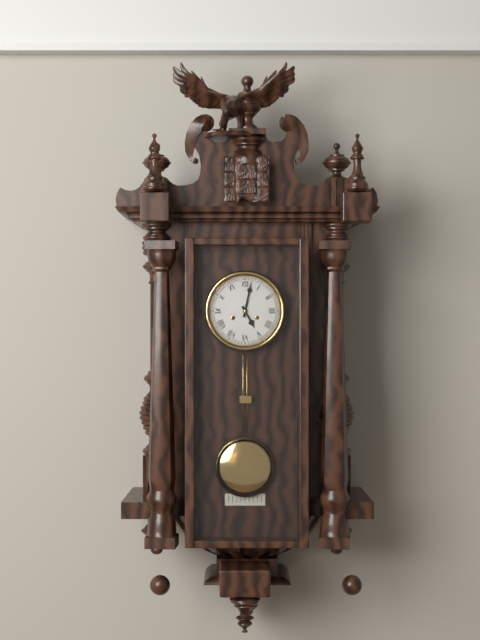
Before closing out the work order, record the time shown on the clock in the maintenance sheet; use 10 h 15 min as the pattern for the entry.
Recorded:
5 h 02 min
